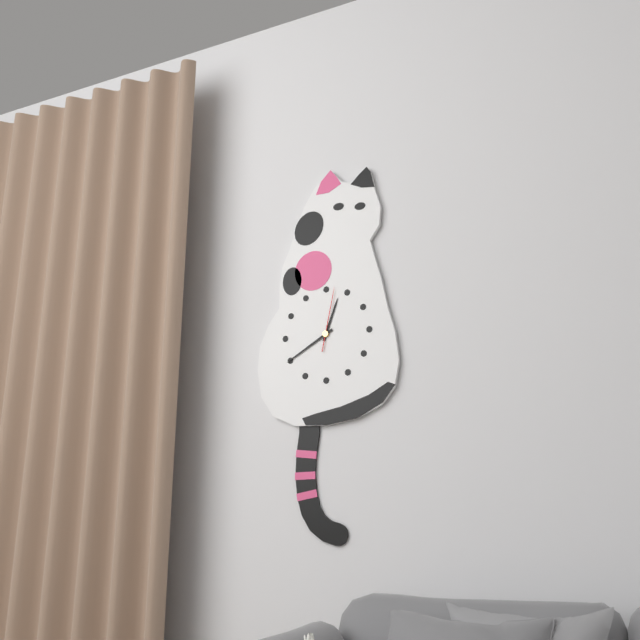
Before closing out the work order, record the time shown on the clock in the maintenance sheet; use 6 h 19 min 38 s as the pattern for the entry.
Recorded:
12 h 40 min 02 s
